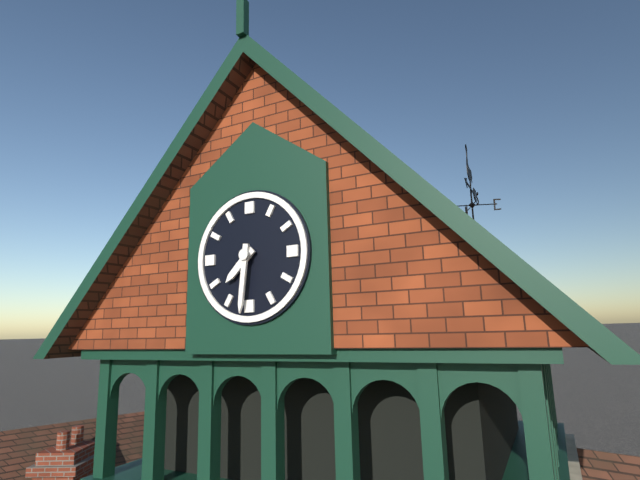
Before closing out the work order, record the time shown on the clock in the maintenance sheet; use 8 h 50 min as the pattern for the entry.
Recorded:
7 h 31 min
